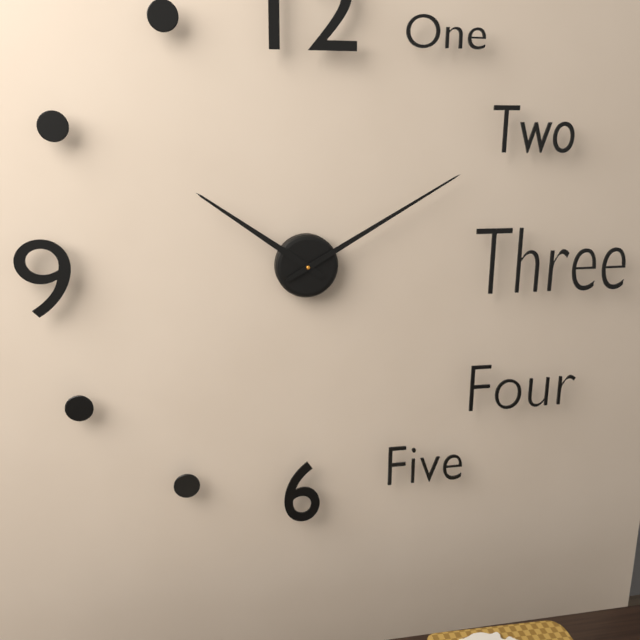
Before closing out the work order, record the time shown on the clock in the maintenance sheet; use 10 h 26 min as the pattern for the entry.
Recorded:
10 h 10 min
